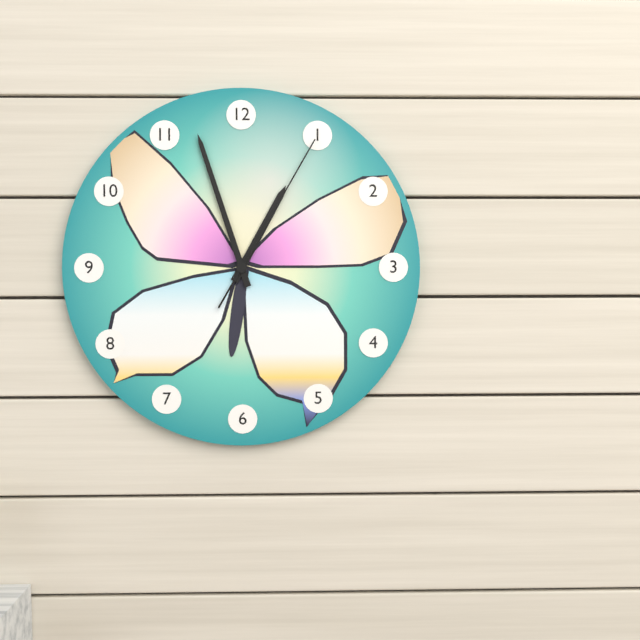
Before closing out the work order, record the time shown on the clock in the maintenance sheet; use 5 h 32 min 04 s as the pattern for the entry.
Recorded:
12 h 57 min 05 s
